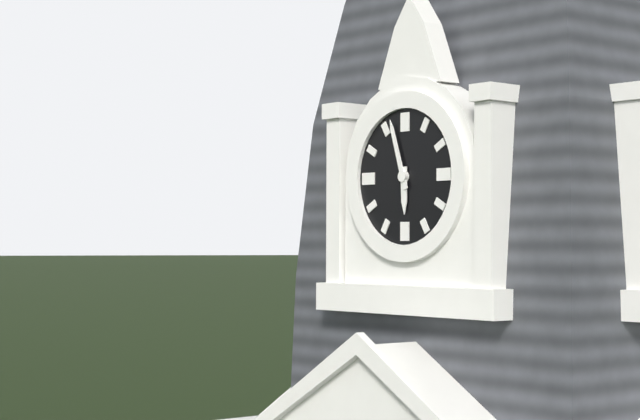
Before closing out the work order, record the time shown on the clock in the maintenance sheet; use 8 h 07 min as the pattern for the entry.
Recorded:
5 h 57 min
